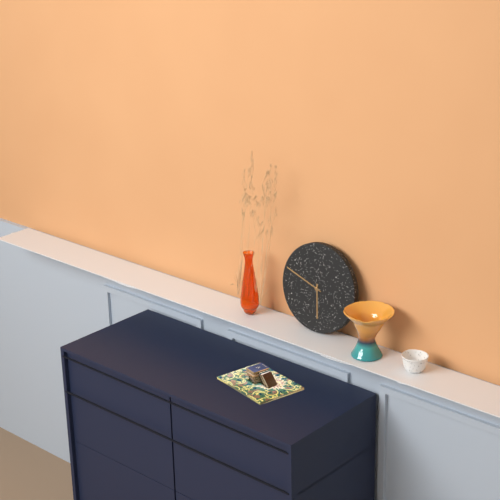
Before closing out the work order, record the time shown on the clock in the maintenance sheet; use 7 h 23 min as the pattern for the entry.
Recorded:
5 h 48 min
